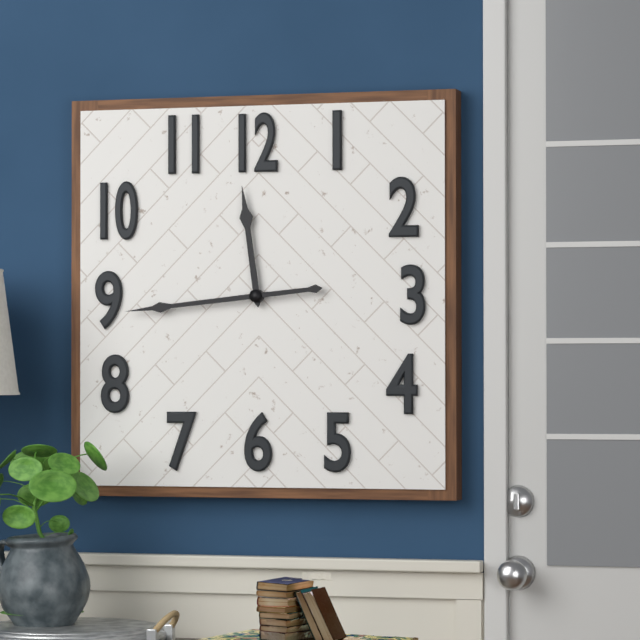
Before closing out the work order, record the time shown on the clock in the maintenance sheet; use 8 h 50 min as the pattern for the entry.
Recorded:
11 h 44 min
